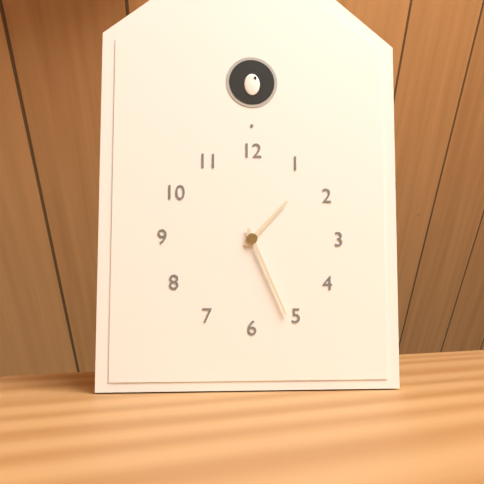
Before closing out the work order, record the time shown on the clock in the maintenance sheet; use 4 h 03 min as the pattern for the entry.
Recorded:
1 h 26 min
